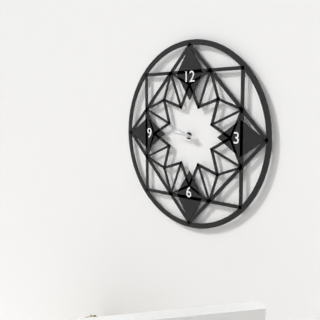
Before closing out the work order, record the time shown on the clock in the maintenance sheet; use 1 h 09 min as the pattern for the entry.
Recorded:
9 h 46 min
